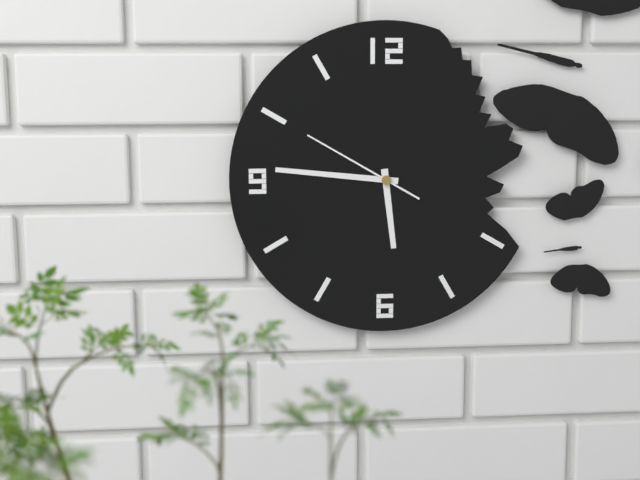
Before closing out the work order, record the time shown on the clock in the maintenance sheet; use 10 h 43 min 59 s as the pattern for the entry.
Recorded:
5 h 46 min 50 s
